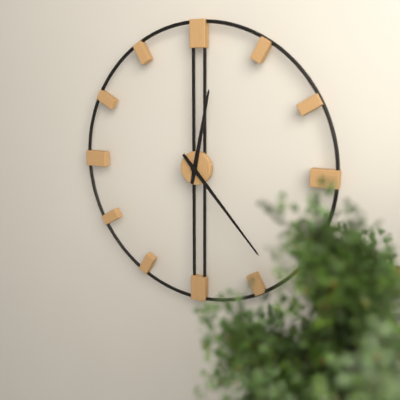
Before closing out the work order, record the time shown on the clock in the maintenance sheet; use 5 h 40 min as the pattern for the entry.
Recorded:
12 h 23 min
